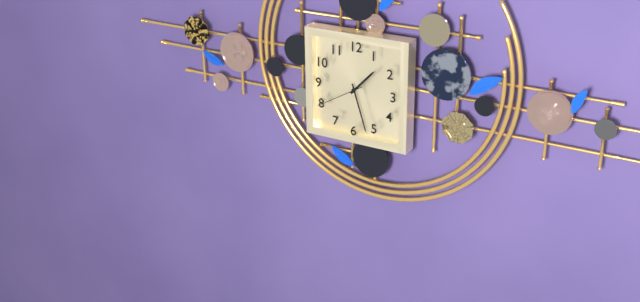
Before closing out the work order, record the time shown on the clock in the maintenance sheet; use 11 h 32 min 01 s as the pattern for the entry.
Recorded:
1 h 27 min 40 s
